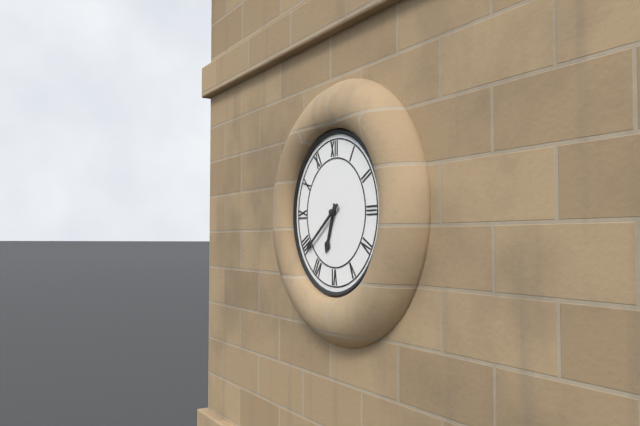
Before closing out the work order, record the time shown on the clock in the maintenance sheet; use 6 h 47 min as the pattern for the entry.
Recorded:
6 h 39 min
